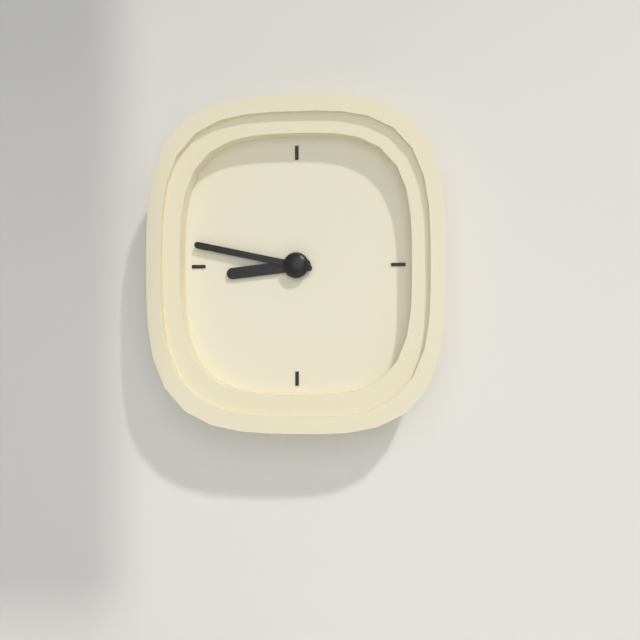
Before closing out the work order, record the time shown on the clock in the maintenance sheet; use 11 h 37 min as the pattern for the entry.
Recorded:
8 h 47 min
